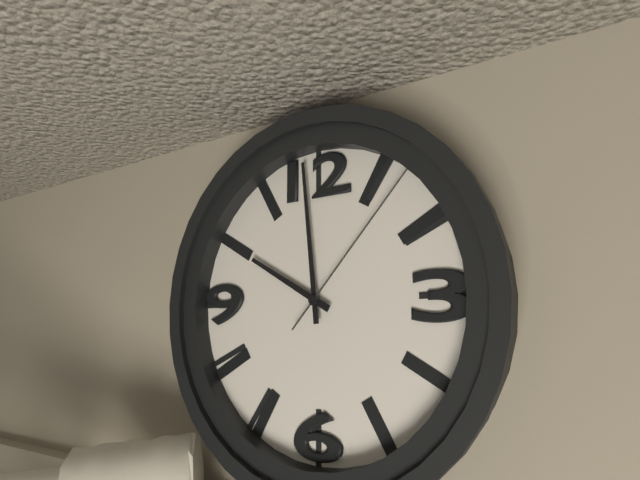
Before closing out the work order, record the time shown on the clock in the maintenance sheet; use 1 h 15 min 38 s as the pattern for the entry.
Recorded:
9 h 59 min 07 s
